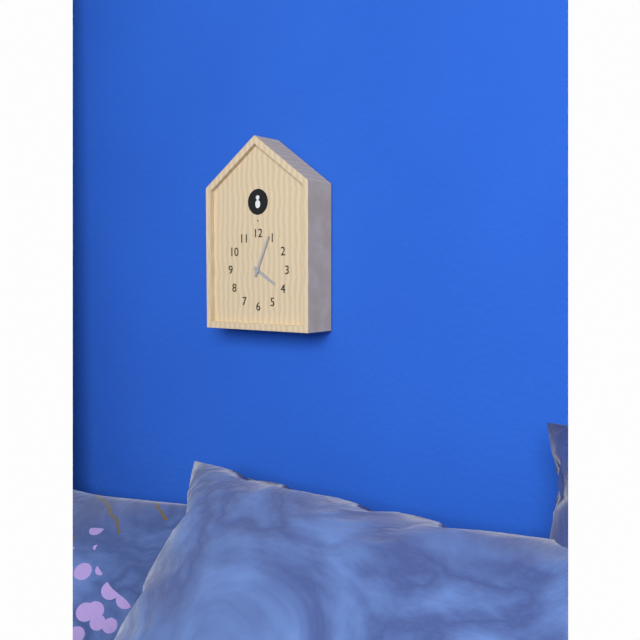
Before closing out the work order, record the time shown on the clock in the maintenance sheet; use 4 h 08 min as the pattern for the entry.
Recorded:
4 h 04 min
